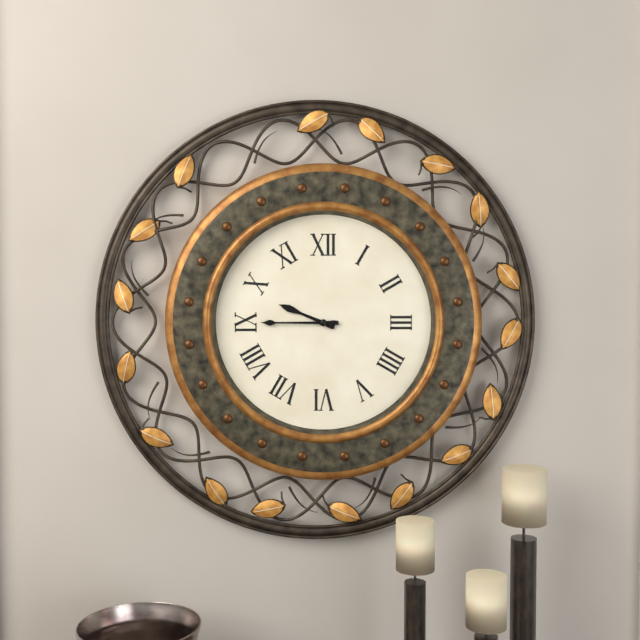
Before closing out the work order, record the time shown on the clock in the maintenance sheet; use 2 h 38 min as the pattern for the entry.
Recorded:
9 h 45 min
